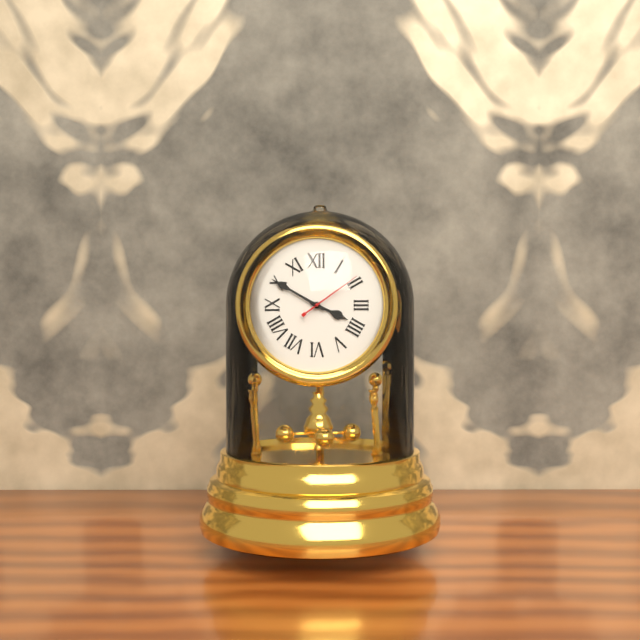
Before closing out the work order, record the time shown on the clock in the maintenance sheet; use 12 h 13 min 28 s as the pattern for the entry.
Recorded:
3 h 50 min 09 s
